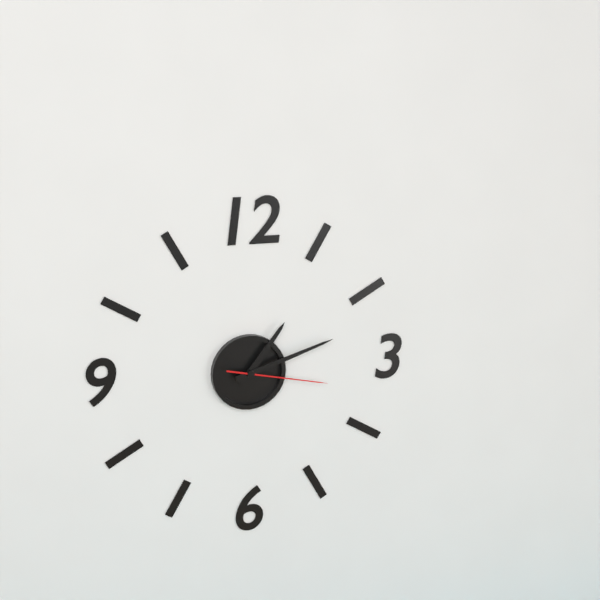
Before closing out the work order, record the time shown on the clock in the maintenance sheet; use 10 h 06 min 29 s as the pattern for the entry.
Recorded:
1 h 12 min 17 s
